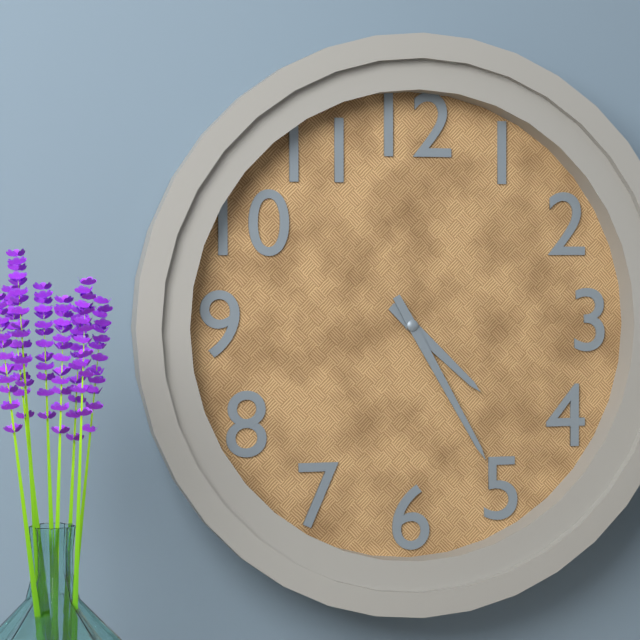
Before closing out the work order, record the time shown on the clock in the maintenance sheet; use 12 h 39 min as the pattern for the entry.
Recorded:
4 h 25 min
